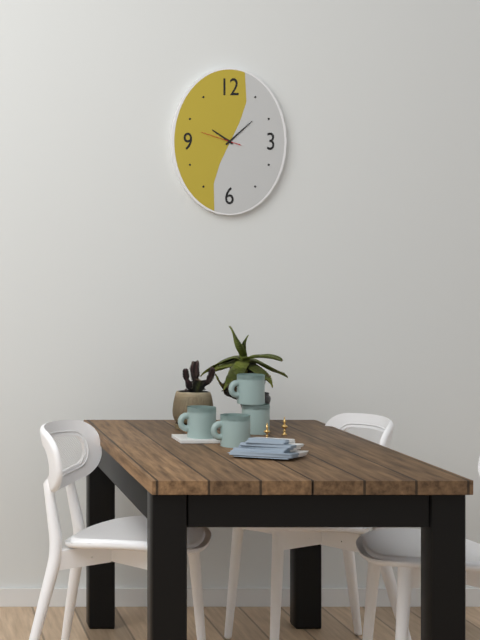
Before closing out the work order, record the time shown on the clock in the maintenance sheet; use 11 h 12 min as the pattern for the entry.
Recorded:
10 h 08 min
